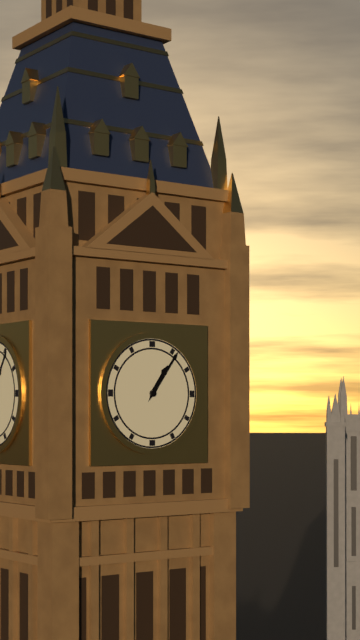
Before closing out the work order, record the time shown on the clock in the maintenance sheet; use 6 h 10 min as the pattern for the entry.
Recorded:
1 h 06 min
